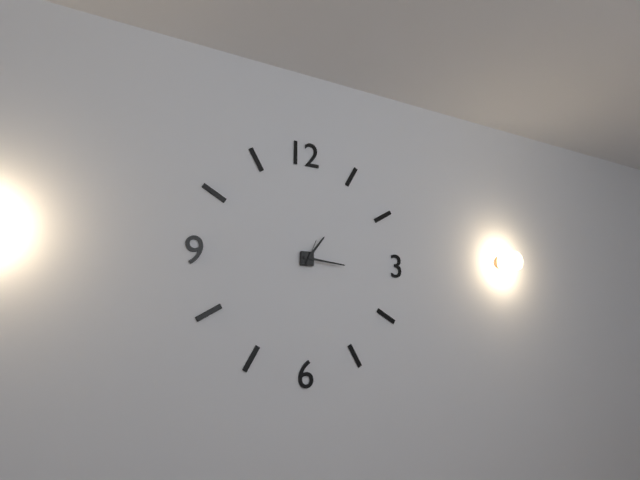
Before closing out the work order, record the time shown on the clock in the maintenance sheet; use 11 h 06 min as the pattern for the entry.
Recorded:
1 h 16 min
